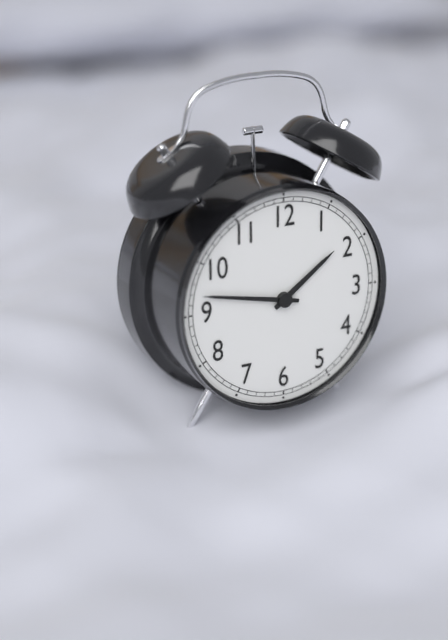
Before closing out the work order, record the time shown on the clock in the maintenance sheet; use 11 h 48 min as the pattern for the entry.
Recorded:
1 h 47 min
